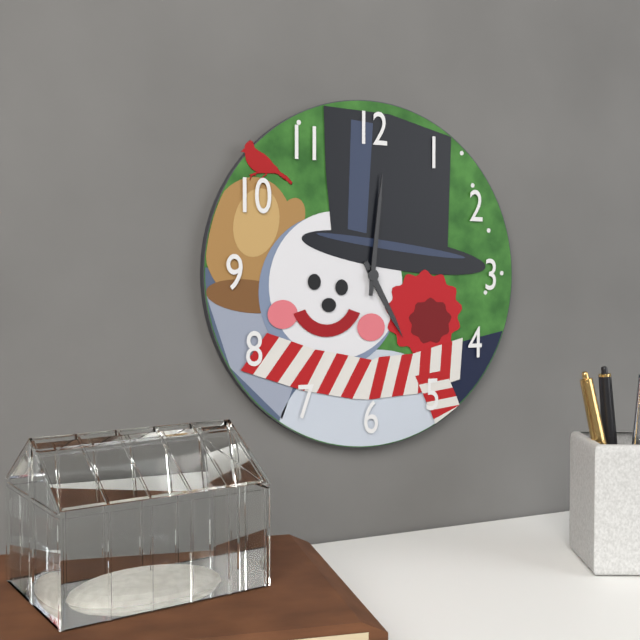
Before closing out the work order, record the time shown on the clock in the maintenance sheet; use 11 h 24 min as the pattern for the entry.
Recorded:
5 h 01 min
